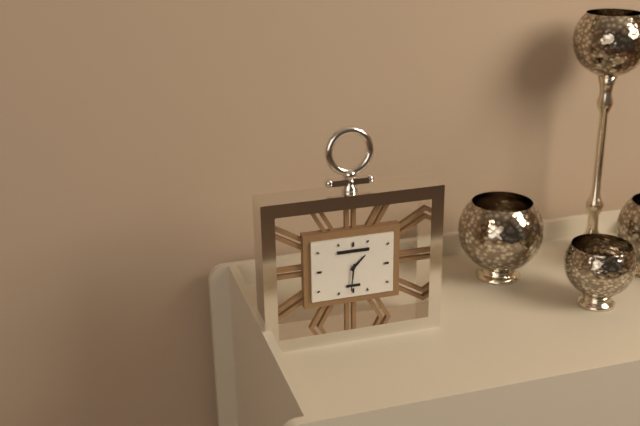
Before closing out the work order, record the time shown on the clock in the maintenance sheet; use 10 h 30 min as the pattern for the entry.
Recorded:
1 h 31 min
